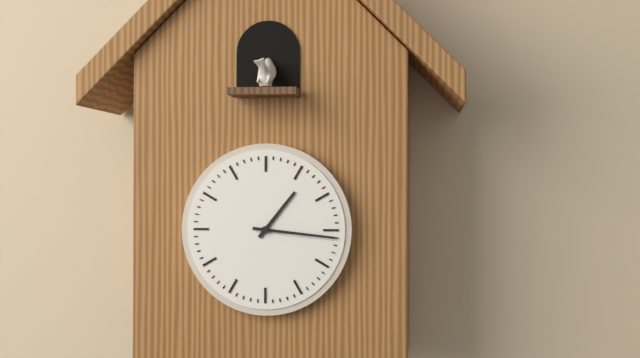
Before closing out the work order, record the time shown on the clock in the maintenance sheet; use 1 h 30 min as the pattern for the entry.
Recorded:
1 h 16 min
